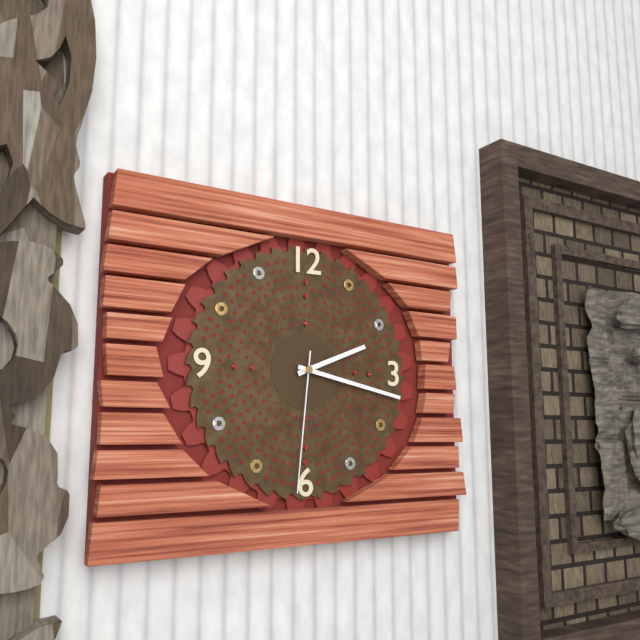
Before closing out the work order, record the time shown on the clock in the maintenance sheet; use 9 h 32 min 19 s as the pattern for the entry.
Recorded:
2 h 17 min 31 s
